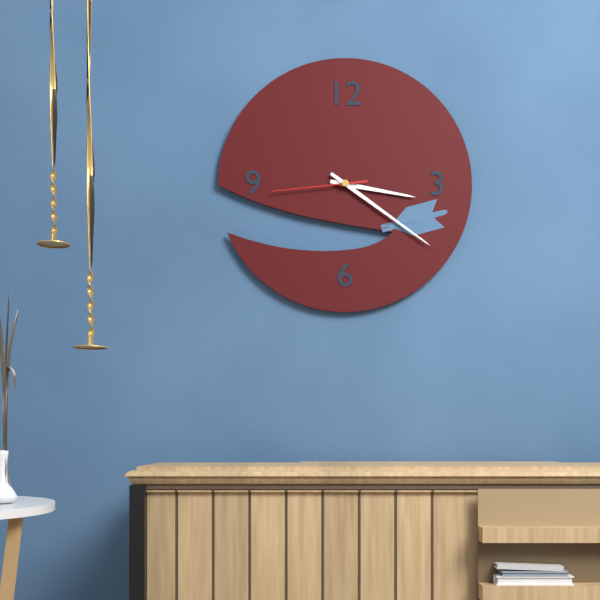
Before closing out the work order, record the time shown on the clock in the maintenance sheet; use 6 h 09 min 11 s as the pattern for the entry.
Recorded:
3 h 21 min 44 s
